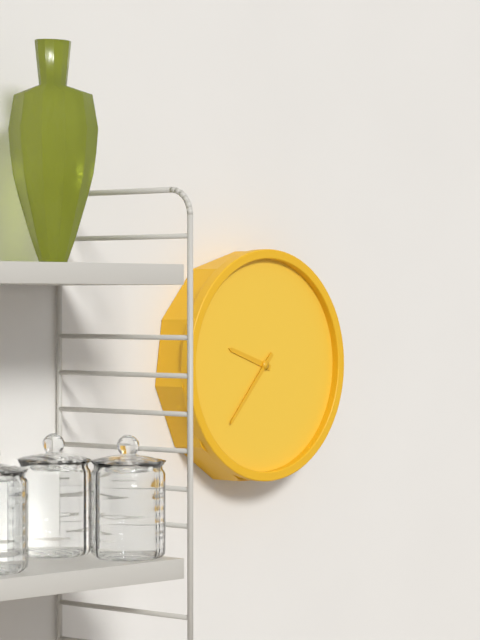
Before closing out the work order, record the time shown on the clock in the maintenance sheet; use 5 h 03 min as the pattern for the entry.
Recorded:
9 h 37 min
